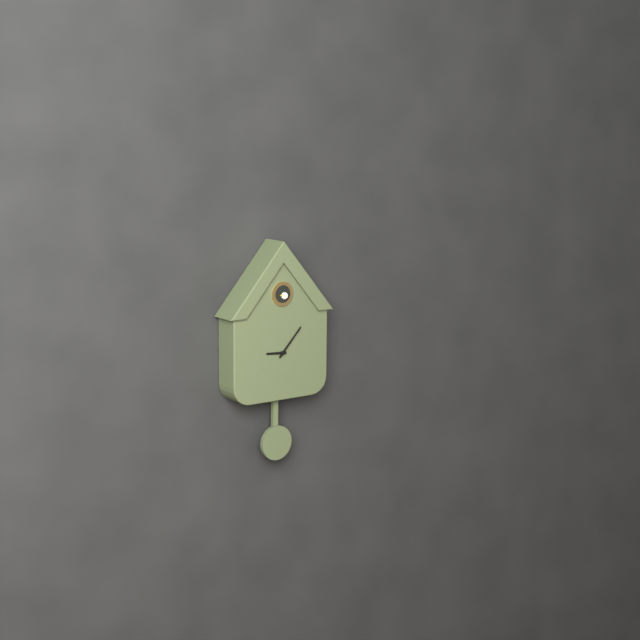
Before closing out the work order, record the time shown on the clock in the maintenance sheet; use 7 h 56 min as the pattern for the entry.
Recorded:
9 h 07 min
